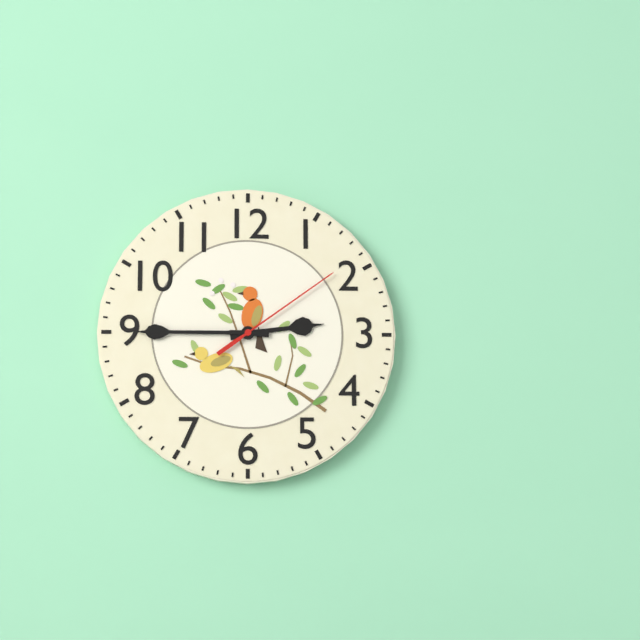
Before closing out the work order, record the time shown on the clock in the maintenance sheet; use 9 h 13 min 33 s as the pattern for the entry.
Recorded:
2 h 45 min 09 s
